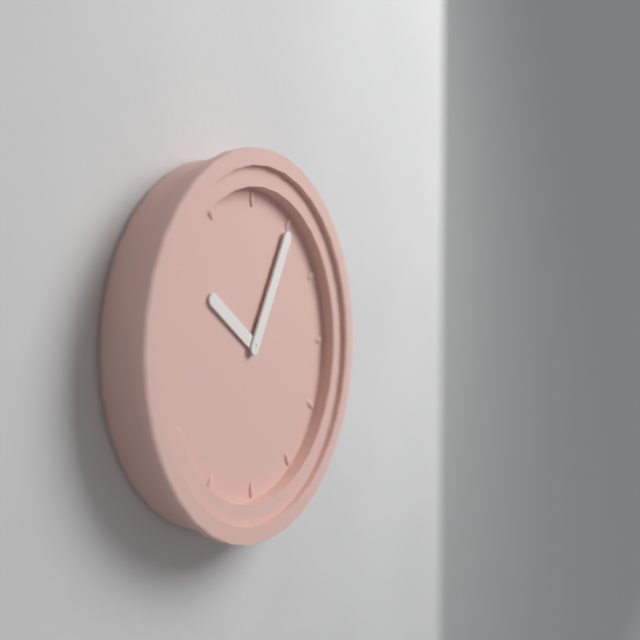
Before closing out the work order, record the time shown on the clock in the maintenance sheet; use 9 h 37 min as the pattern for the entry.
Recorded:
10 h 05 min
